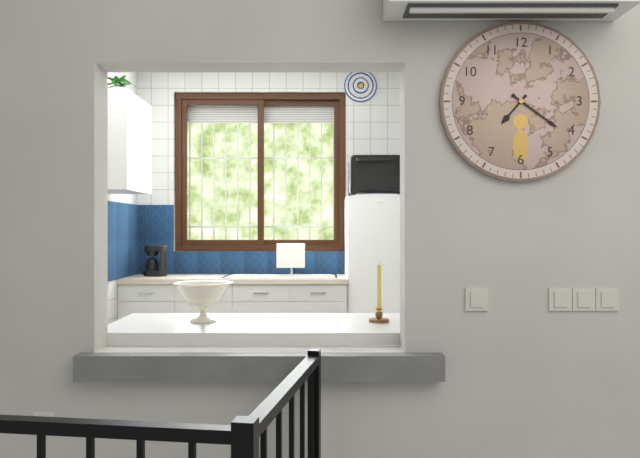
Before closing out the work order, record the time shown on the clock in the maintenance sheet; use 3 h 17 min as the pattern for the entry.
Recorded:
7 h 21 min
